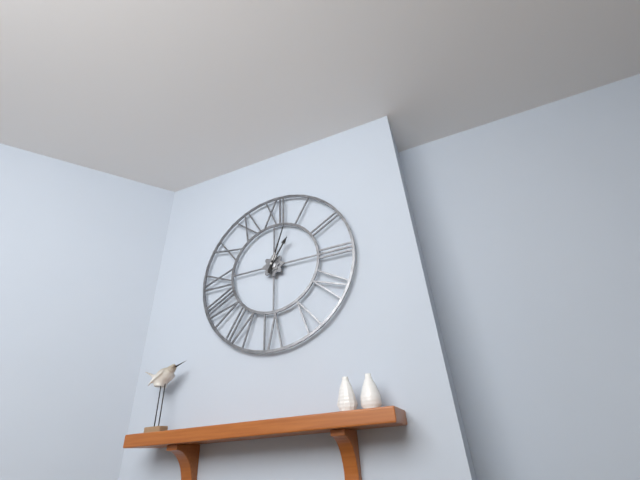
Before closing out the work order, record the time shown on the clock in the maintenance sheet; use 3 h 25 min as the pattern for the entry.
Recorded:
1 h 03 min
